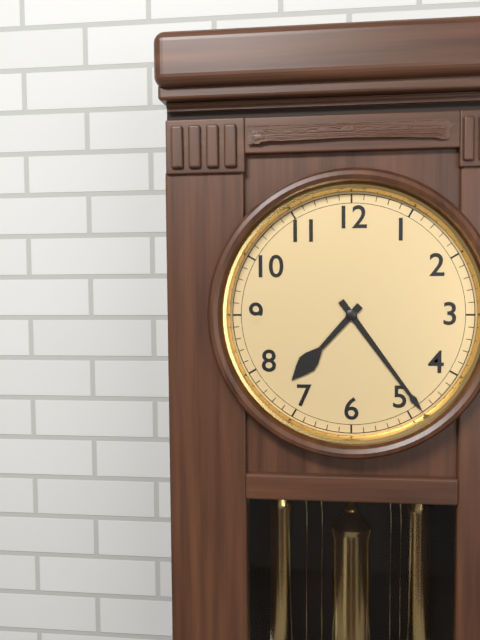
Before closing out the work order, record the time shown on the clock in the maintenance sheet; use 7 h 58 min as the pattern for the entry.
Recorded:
7 h 24 min
